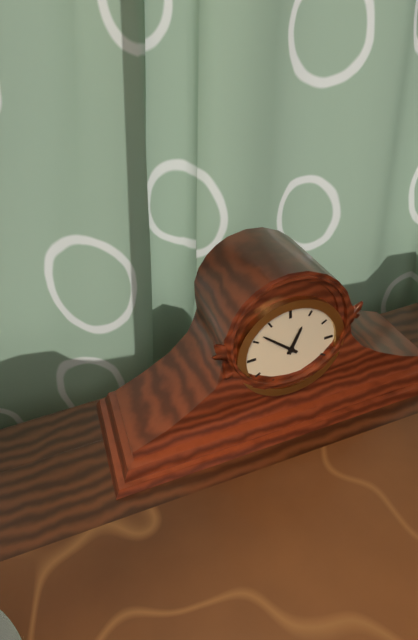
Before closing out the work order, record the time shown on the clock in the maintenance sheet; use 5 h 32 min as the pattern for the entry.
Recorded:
12 h 52 min
